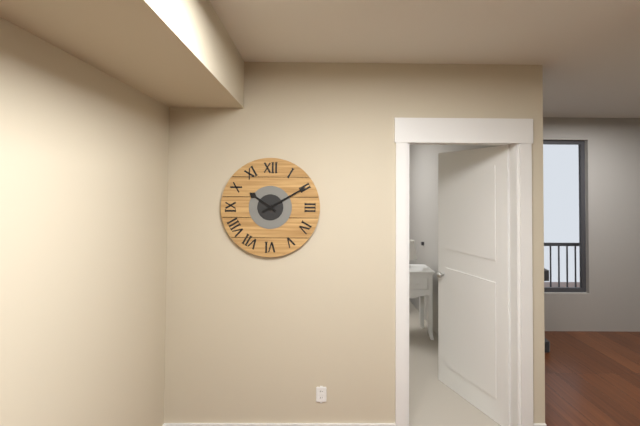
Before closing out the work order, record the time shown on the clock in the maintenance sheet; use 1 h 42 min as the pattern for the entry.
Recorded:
10 h 10 min
